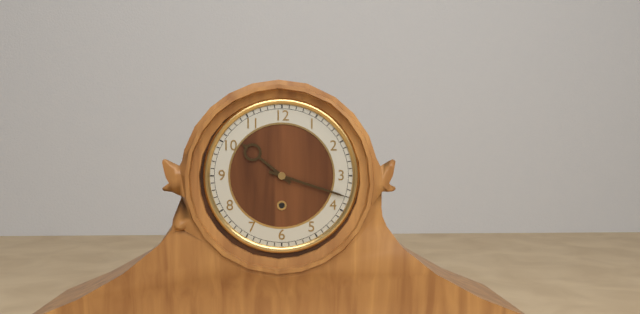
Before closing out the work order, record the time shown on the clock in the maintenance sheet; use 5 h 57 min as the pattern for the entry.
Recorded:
10 h 18 min
